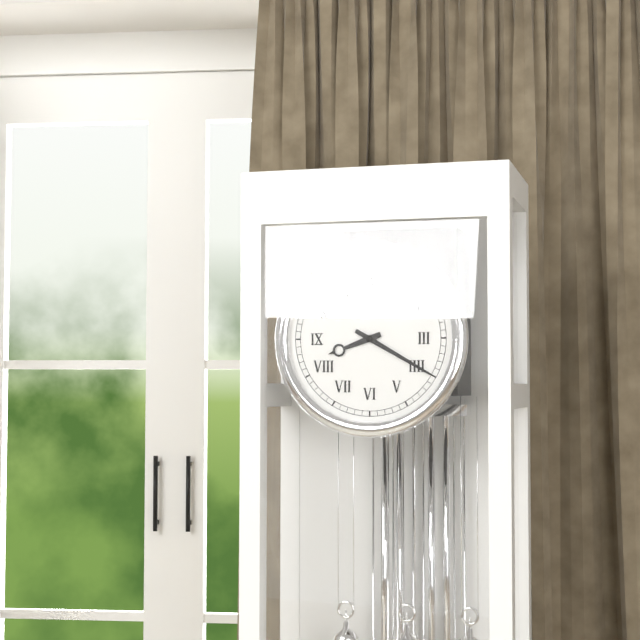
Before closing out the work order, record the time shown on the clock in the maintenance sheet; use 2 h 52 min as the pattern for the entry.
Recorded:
8 h 20 min
